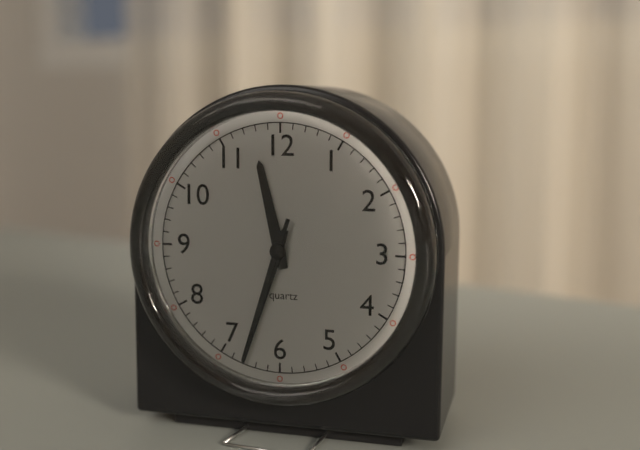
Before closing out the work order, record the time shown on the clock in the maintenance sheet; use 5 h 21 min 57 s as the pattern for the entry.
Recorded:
11 h 33 min 33 s
